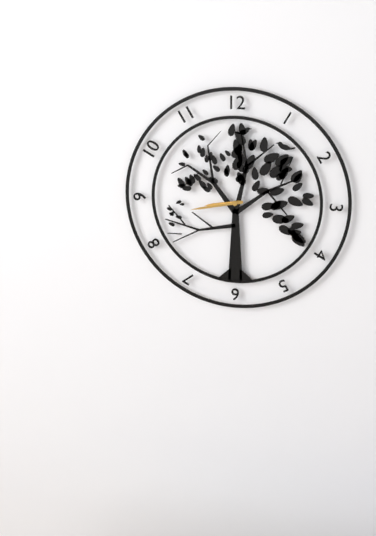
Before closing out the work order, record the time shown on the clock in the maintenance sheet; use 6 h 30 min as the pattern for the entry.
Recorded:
8 h 43 min
